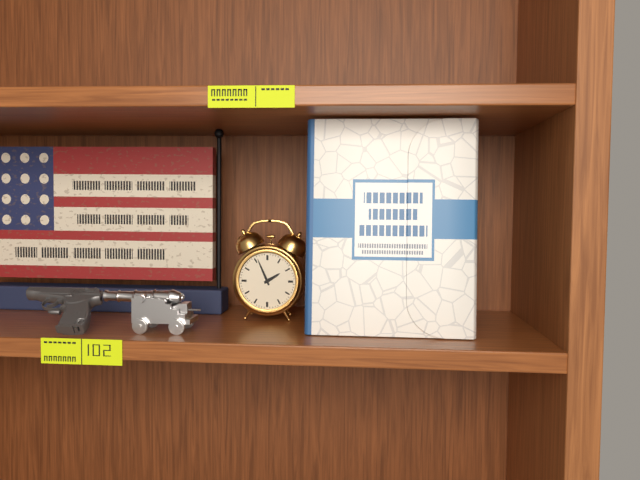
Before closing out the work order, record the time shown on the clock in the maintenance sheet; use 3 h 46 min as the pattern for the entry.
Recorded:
1 h 56 min
